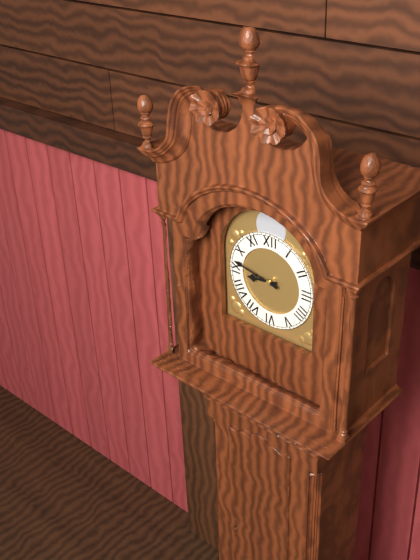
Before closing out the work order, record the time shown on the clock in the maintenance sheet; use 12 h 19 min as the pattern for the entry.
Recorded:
8 h 47 min
